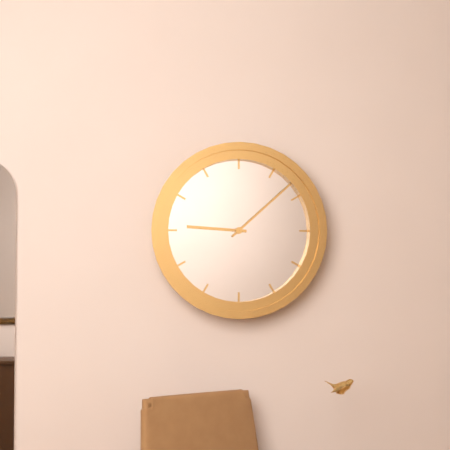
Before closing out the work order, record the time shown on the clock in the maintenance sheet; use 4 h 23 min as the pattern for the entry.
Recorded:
9 h 08 min
